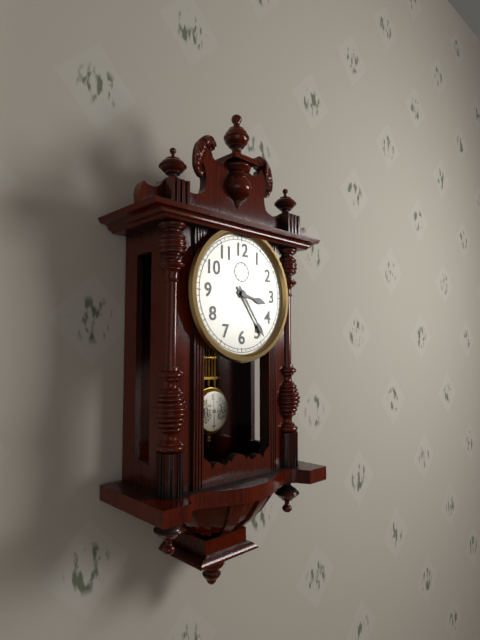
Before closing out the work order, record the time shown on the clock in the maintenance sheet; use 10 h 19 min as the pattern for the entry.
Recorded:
3 h 24 min
